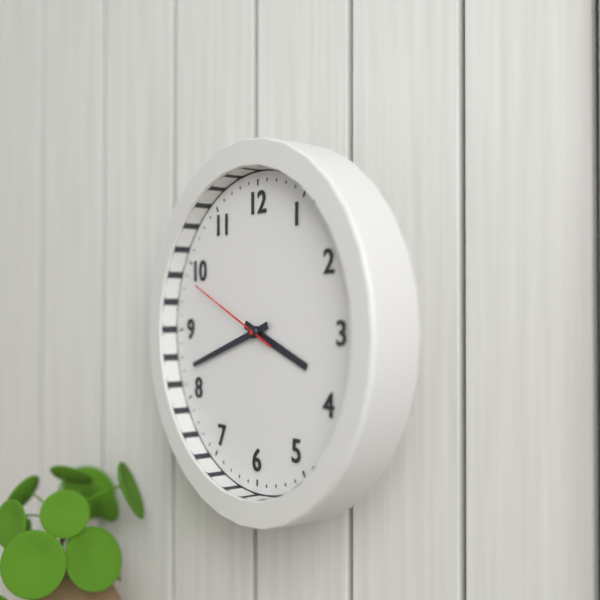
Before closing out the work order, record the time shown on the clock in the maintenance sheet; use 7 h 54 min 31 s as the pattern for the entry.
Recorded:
3 h 42 min 49 s
